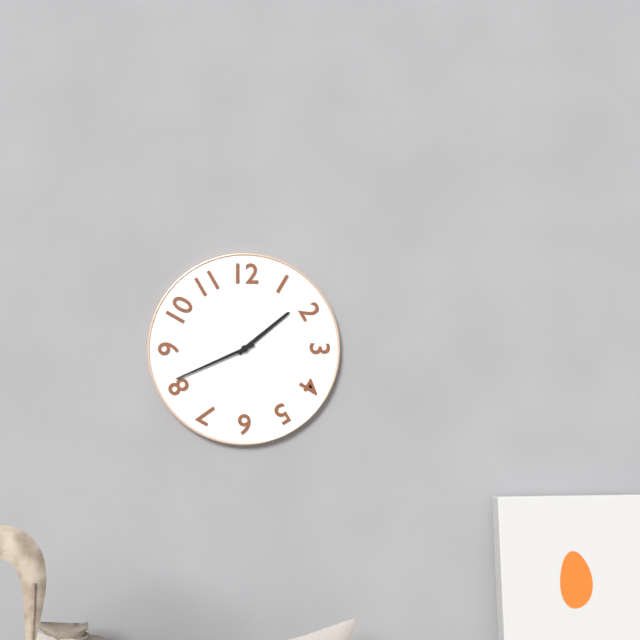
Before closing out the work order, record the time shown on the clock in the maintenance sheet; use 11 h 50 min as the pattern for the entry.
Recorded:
1 h 41 min
